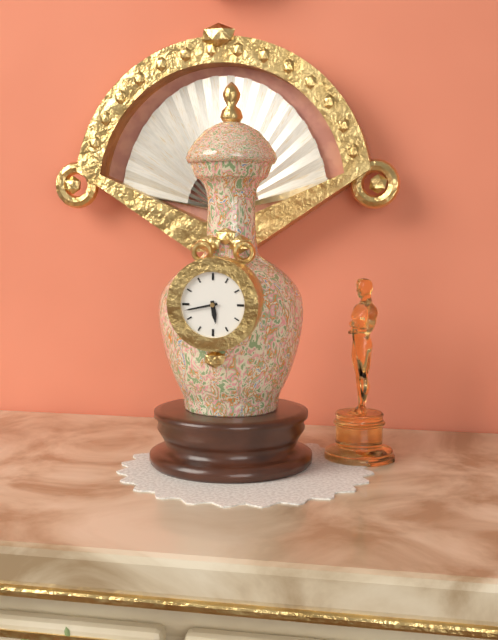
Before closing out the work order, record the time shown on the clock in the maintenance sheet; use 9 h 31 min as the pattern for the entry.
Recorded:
5 h 43 min
